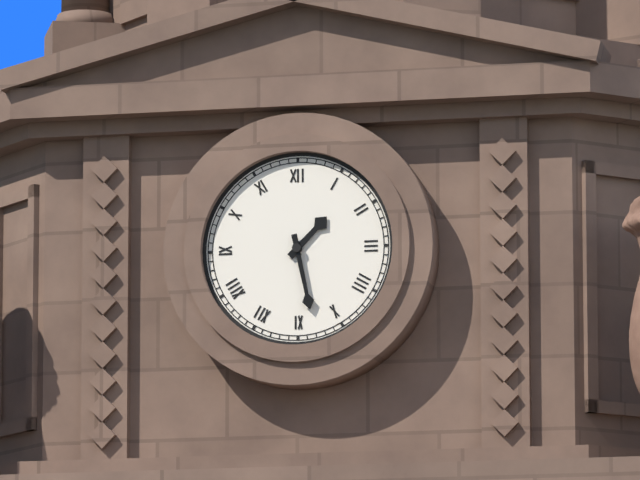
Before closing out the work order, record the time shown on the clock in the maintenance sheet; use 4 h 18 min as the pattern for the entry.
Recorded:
1 h 28 min
